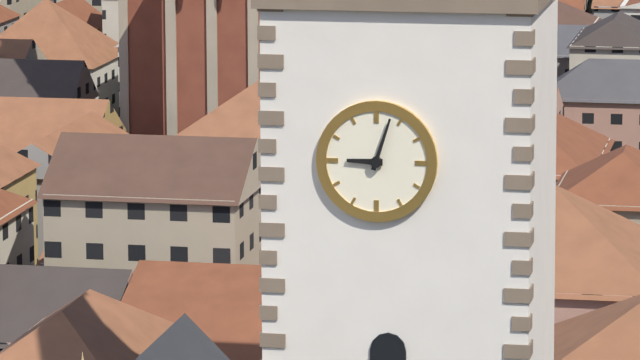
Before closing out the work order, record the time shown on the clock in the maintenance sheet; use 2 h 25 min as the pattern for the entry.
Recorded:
9 h 03 min
